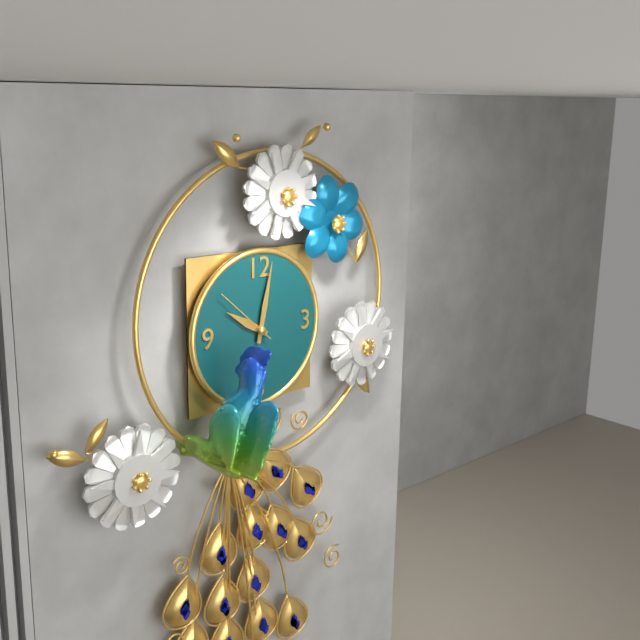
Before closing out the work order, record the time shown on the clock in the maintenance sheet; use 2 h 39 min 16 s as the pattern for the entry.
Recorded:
10 h 02 min 52 s
